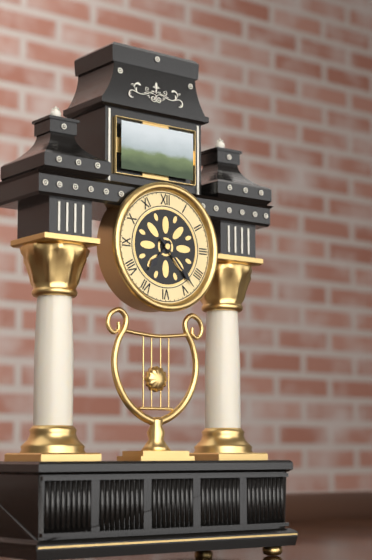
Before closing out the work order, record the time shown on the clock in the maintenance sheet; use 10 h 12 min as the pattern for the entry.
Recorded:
7 h 23 min
